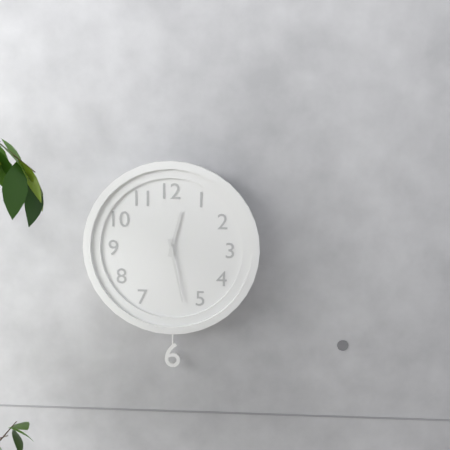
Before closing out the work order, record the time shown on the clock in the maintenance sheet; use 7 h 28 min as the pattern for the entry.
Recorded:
12 h 28 min
